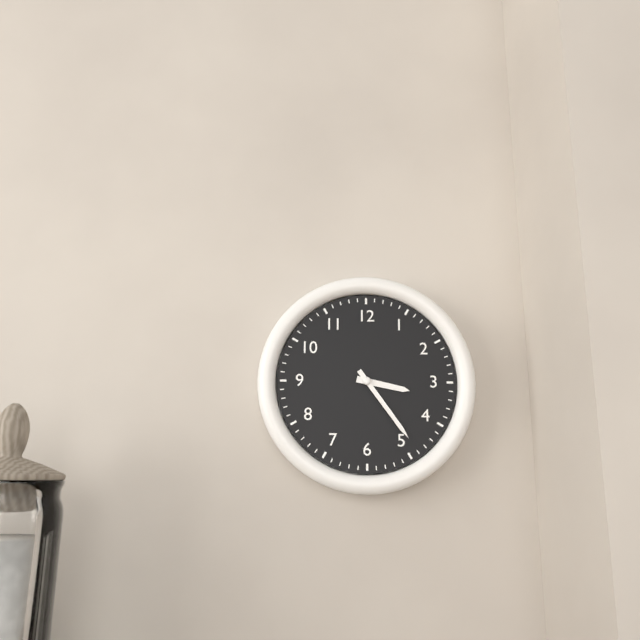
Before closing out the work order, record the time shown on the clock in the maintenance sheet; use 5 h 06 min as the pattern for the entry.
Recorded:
3 h 24 min
